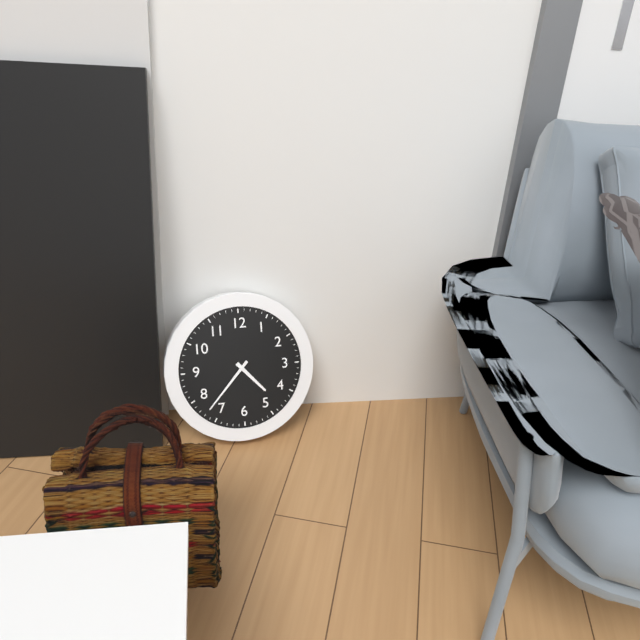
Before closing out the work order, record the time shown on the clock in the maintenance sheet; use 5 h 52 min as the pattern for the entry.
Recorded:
4 h 37 min
